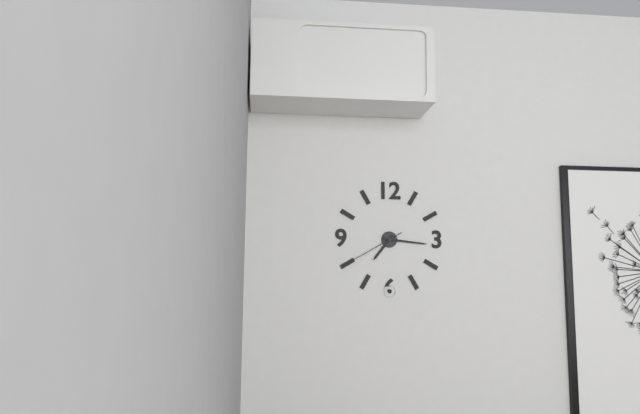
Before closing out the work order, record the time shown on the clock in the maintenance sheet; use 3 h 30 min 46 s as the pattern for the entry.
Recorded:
7 h 16 min 40 s
